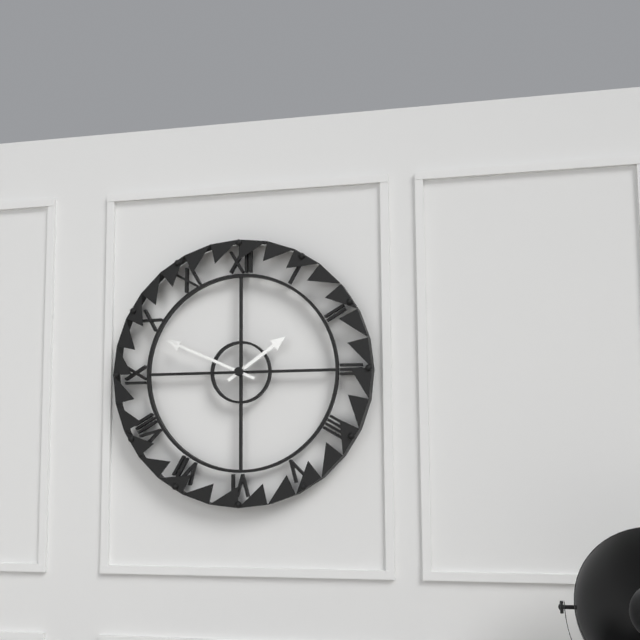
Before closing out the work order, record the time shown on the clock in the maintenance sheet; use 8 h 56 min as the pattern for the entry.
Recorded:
1 h 49 min
